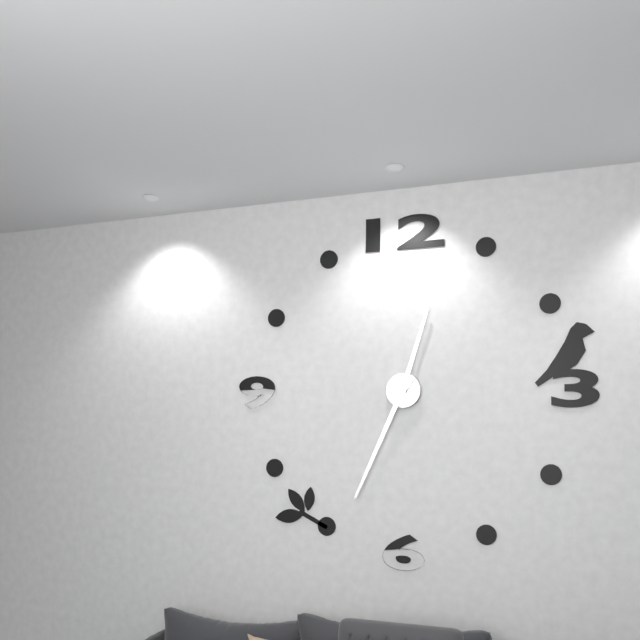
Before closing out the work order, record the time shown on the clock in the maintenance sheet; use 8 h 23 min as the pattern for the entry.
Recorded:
12 h 34 min
